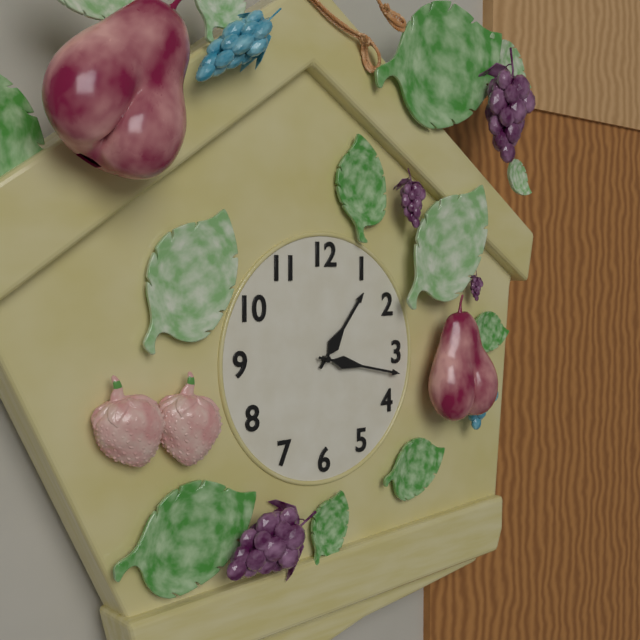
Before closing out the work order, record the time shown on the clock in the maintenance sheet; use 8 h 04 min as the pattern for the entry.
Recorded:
1 h 17 min
